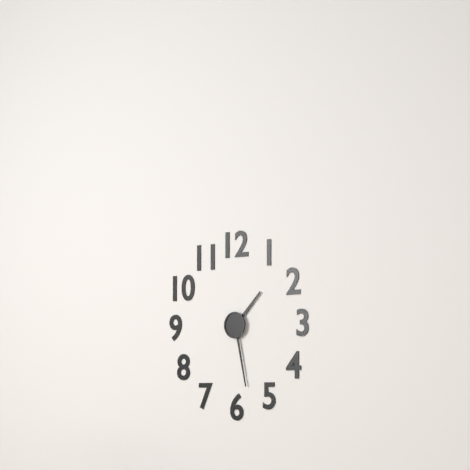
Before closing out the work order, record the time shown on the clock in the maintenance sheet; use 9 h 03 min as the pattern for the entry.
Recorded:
1 h 28 min
